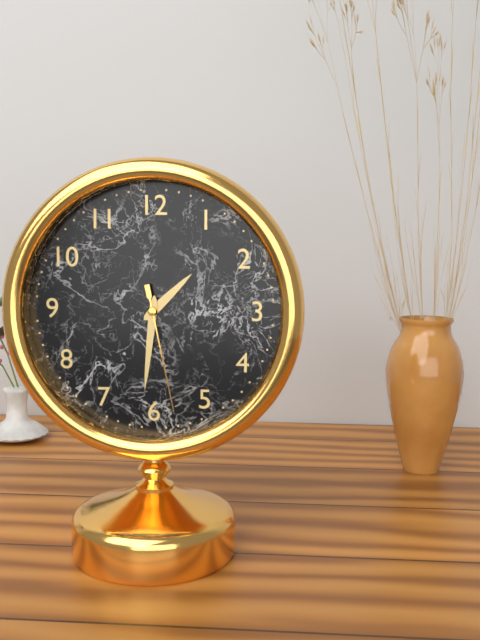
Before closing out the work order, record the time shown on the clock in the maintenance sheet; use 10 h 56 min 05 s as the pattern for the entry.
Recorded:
1 h 31 min 28 s
